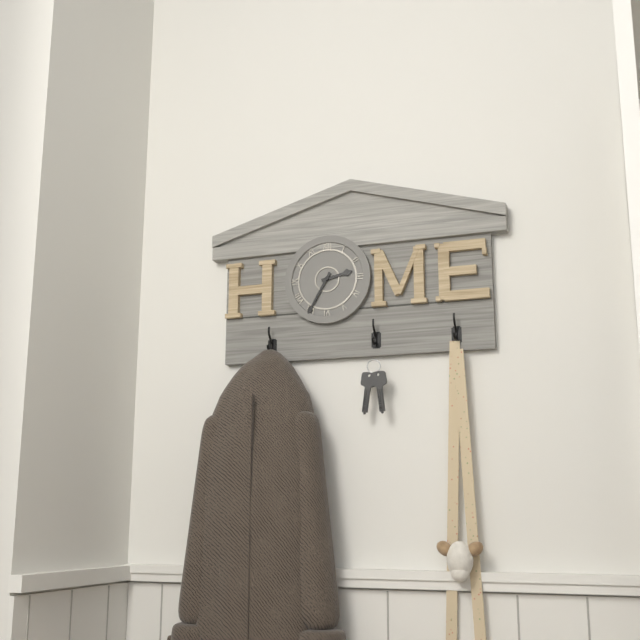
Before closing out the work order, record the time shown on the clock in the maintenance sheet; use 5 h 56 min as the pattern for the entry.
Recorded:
2 h 35 min
